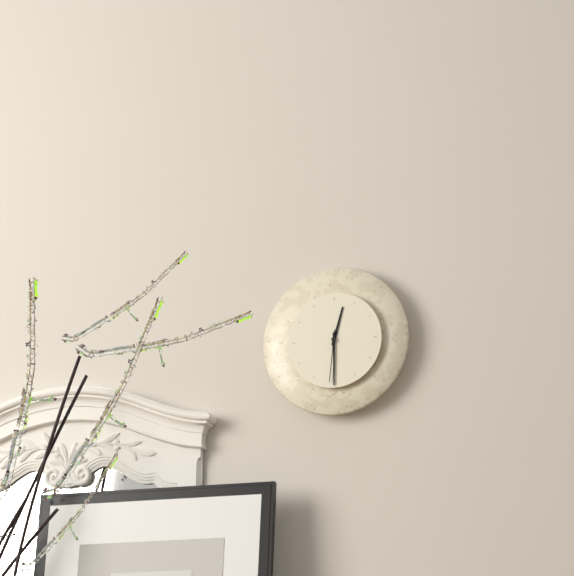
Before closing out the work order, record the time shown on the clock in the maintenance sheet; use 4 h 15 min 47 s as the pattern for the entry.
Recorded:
12 h 30 min 31 s
